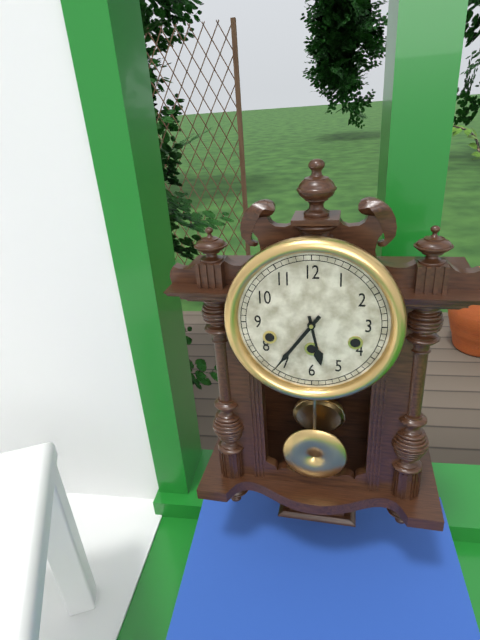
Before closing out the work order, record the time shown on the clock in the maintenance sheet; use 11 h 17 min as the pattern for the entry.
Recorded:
5 h 36 min
